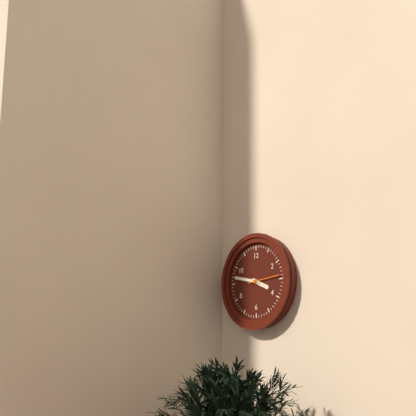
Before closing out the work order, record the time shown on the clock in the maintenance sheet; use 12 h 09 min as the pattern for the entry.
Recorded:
3 h 47 min
